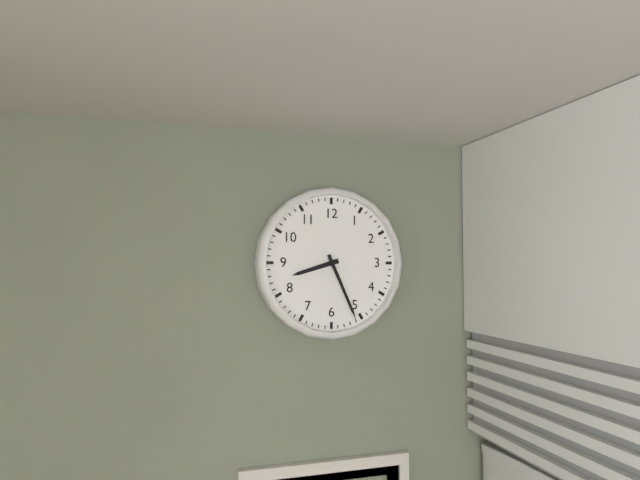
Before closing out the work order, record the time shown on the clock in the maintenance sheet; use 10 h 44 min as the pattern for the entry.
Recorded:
8 h 26 min
